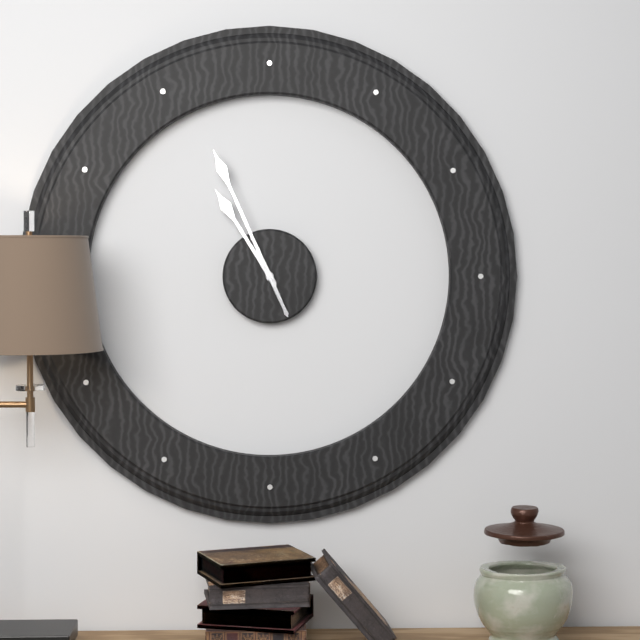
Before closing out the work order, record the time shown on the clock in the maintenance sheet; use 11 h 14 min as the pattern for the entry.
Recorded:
10 h 56 min
